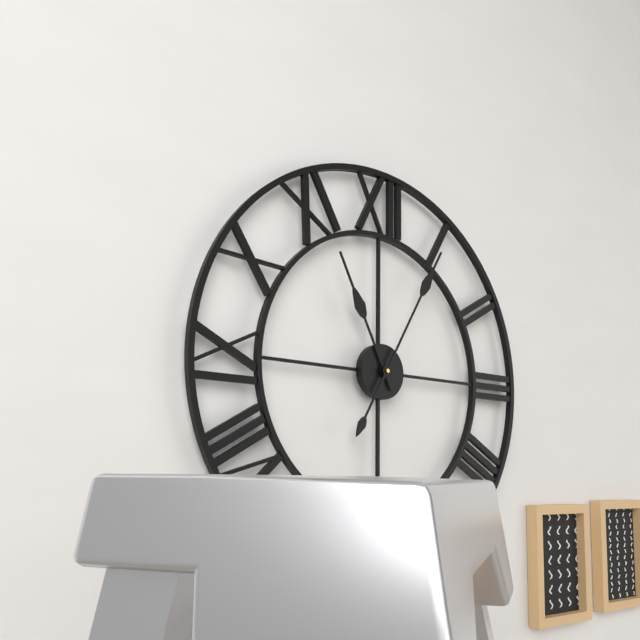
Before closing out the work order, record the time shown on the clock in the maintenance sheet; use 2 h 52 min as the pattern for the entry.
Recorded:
11 h 05 min
